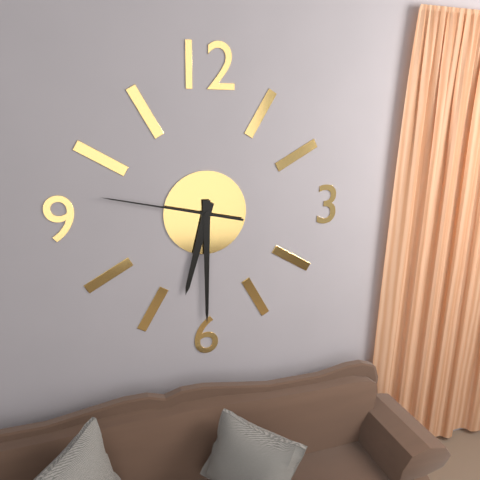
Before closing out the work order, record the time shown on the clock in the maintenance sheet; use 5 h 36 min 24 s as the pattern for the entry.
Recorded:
6 h 30 min 47 s
